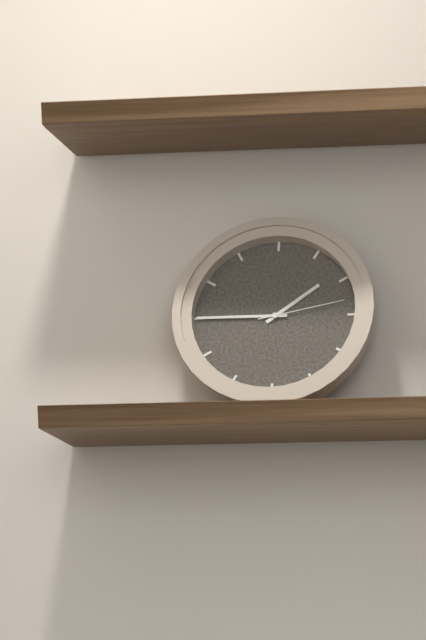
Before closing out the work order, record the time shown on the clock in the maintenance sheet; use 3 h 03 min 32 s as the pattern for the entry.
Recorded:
1 h 45 min 13 s
